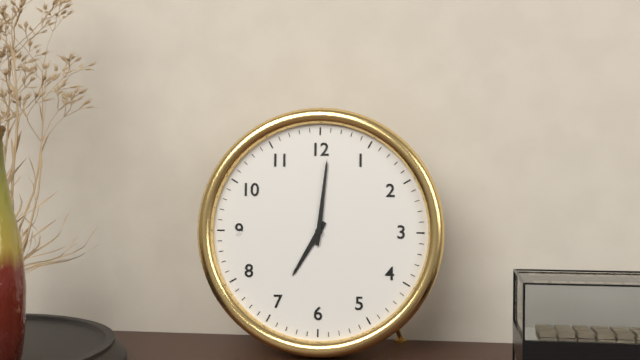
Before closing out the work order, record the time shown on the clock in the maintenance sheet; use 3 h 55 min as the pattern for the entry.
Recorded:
7 h 01 min
